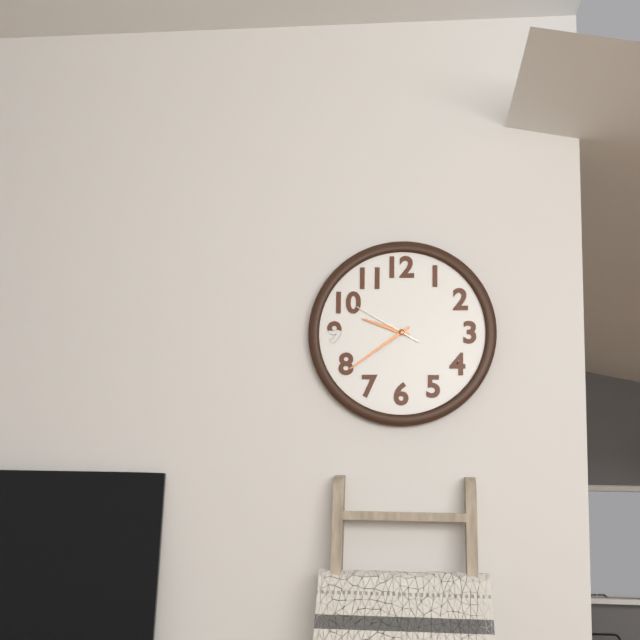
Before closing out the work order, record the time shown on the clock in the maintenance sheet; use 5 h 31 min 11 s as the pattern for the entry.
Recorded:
9 h 39 min 50 s
